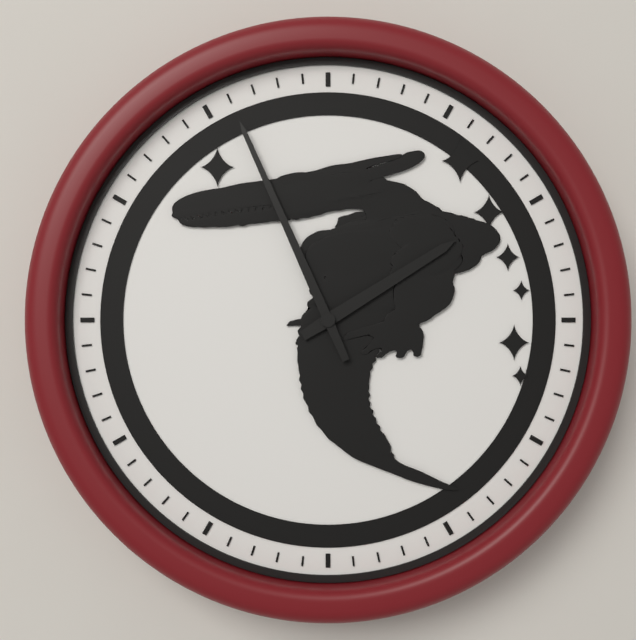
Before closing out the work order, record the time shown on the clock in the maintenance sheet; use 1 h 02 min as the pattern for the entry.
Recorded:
1 h 56 min
